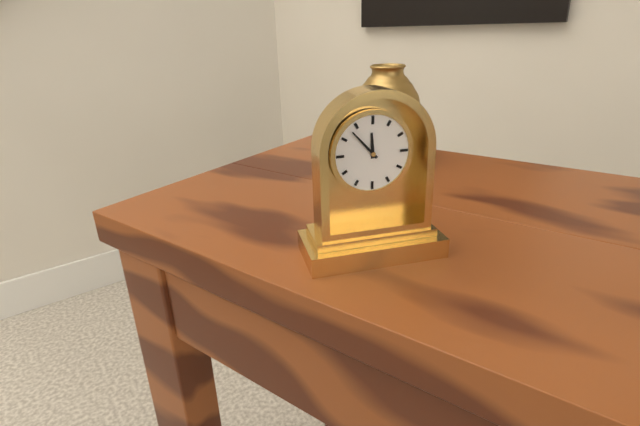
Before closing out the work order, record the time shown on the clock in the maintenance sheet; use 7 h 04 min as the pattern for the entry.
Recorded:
11 h 53 min
